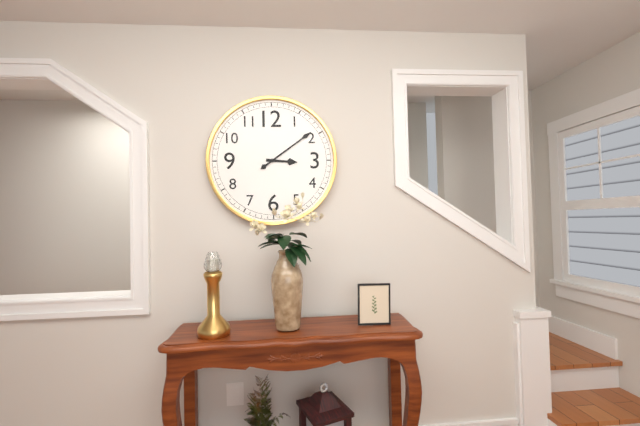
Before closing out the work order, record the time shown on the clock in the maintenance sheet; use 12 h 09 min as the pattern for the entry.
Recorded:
3 h 09 min
